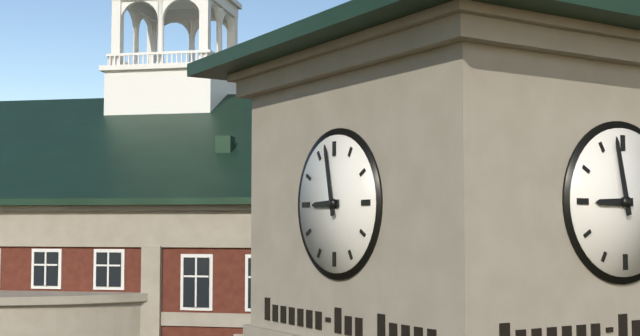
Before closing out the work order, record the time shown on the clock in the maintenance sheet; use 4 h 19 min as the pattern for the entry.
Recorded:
8 h 58 min
